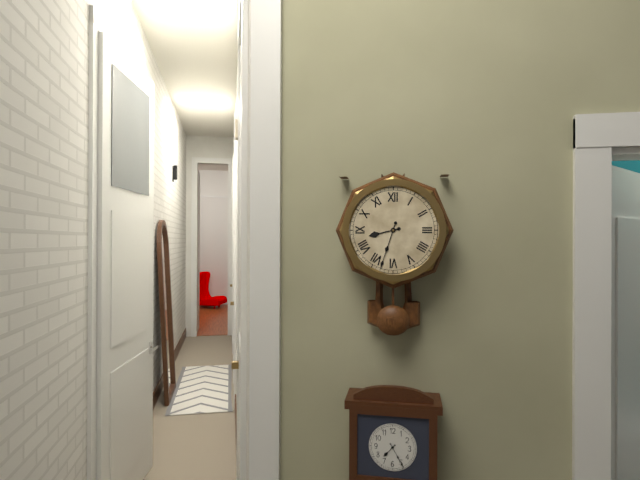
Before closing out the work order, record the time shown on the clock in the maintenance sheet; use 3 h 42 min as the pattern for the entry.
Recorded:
8 h 33 min
